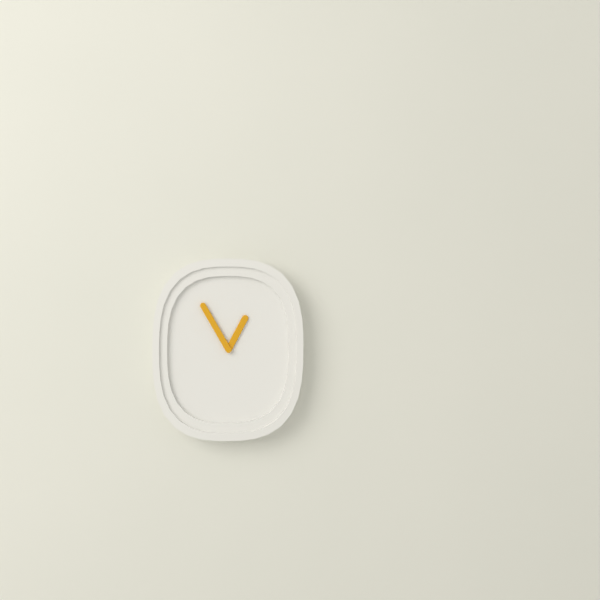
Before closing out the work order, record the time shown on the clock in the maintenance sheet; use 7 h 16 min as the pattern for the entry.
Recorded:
12 h 55 min
